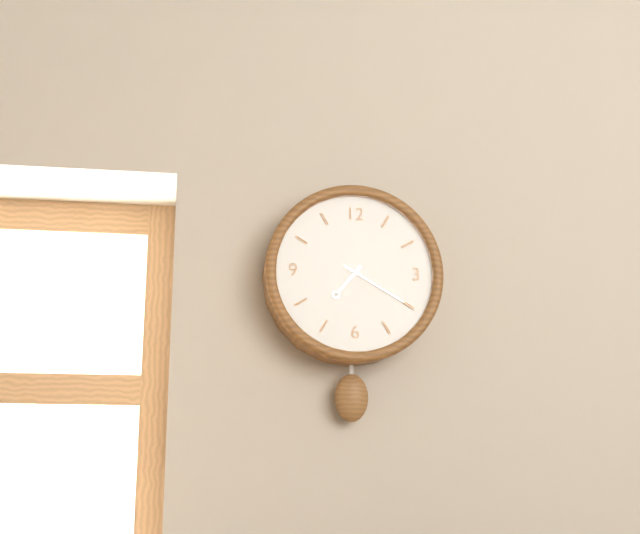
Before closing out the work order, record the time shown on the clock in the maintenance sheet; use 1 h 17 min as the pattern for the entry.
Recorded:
7 h 20 min
